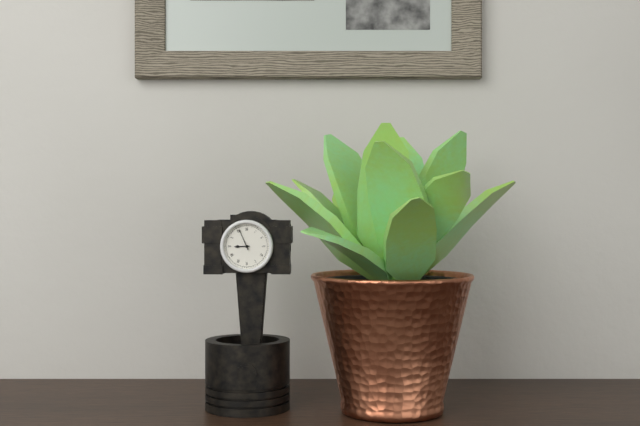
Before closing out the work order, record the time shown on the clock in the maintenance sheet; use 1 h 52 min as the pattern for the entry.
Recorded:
8 h 56 min
